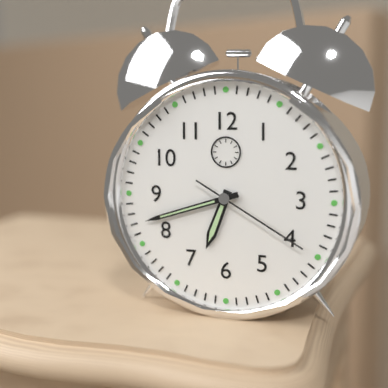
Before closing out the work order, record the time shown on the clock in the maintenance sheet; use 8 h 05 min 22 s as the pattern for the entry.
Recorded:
6 h 42 min 20 s
